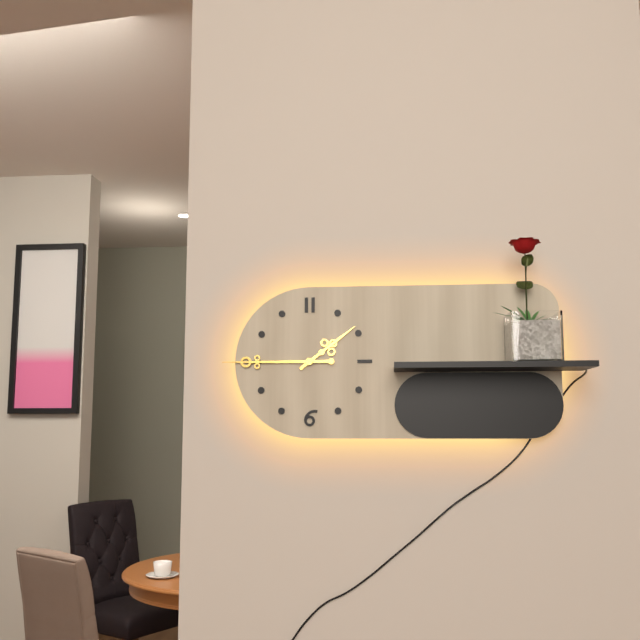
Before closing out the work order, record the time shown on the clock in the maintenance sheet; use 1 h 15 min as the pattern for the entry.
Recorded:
1 h 45 min
